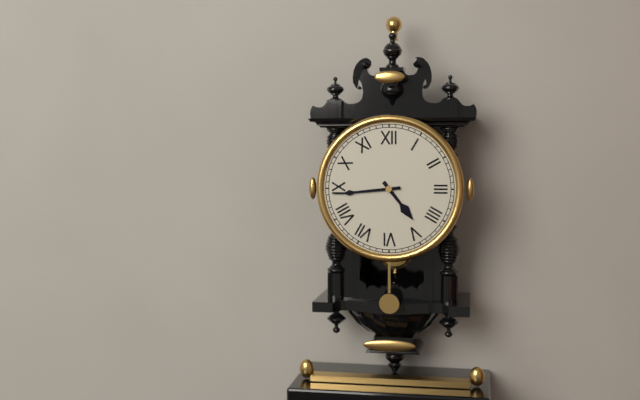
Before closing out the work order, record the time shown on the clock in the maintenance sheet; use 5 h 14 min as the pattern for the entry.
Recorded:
4 h 44 min
